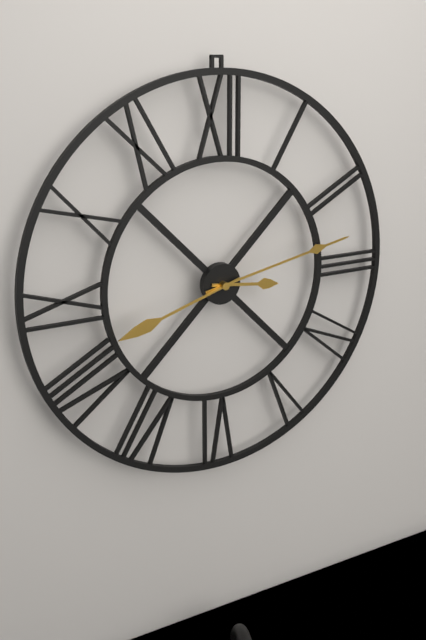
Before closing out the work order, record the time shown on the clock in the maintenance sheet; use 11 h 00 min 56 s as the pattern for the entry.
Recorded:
3 h 13 min 42 s
